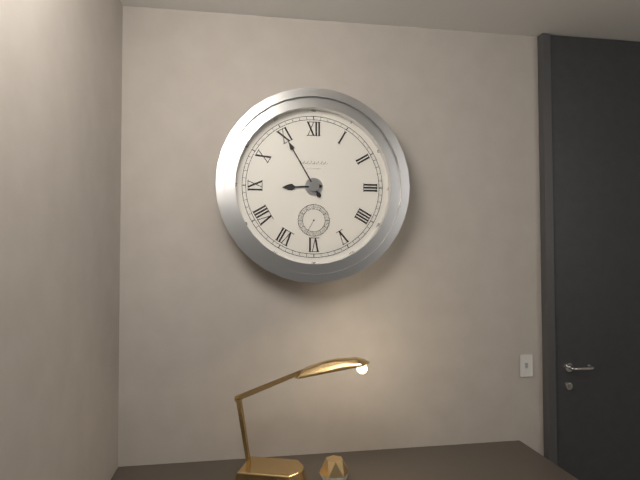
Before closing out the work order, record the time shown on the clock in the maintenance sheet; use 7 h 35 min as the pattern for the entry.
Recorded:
8 h 55 min
